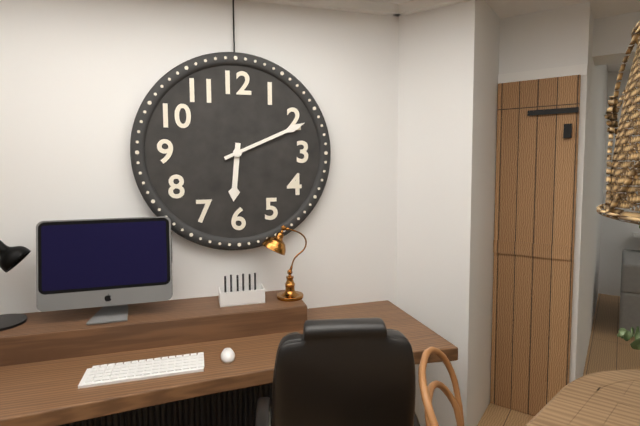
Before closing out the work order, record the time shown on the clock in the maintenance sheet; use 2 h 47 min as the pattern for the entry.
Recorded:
6 h 11 min
